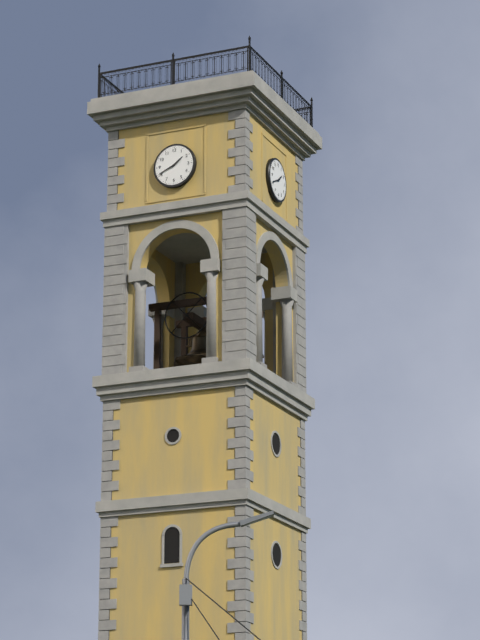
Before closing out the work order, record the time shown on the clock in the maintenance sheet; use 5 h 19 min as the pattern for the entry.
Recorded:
1 h 41 min
